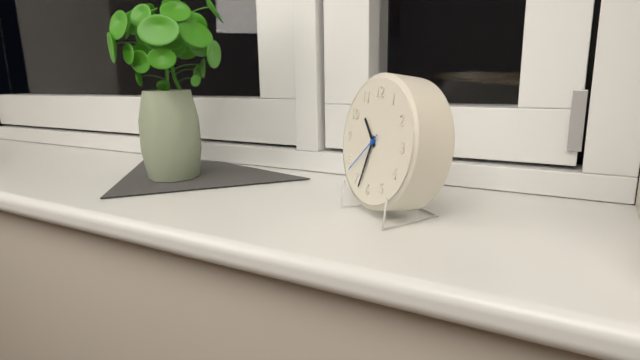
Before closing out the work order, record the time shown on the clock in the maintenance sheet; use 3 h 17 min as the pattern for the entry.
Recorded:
10 h 33 min
